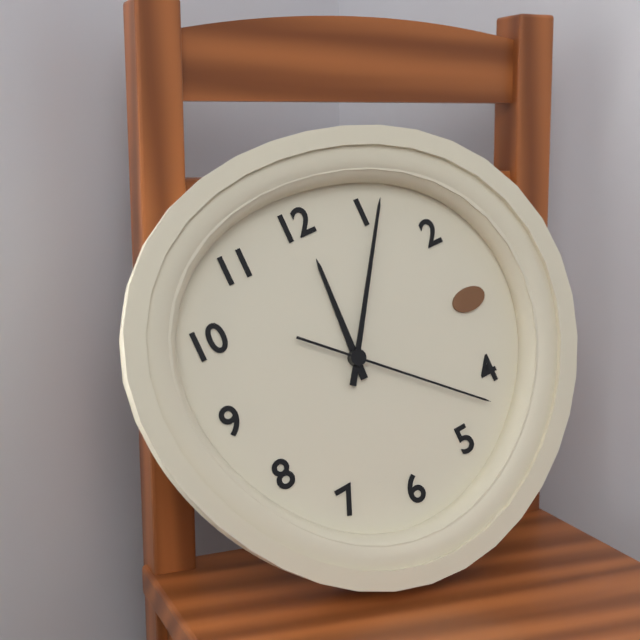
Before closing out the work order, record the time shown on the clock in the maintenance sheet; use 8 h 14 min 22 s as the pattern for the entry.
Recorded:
12 h 06 min 22 s
